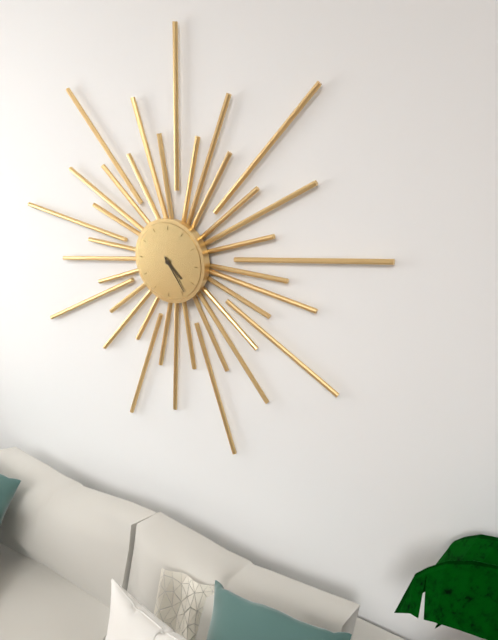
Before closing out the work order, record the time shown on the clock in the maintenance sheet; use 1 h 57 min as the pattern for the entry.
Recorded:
4 h 24 min
